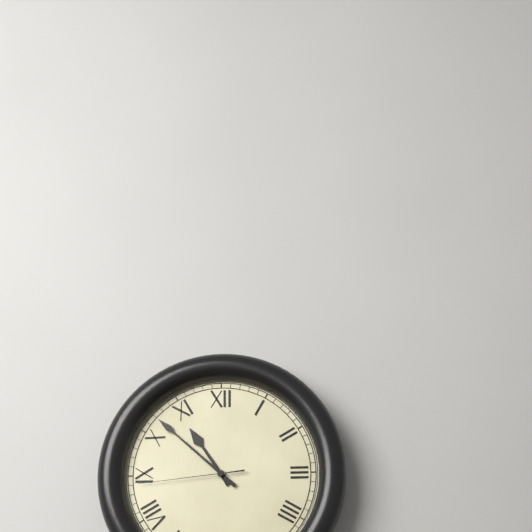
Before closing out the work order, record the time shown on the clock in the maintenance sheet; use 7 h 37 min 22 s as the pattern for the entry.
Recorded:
10 h 52 min 44 s
